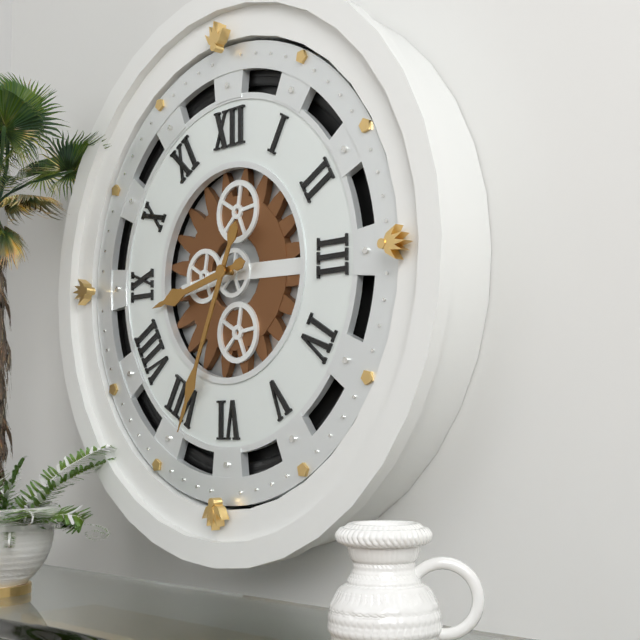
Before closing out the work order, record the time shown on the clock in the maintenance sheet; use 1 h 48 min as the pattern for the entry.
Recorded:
8 h 34 min
